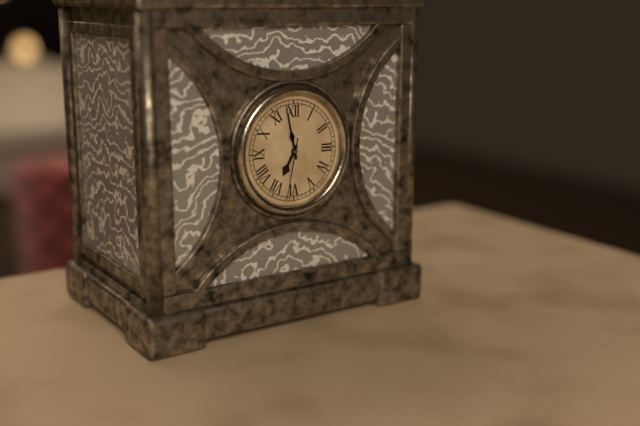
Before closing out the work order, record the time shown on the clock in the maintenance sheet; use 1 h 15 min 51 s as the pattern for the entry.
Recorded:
6 h 58 min 32 s
